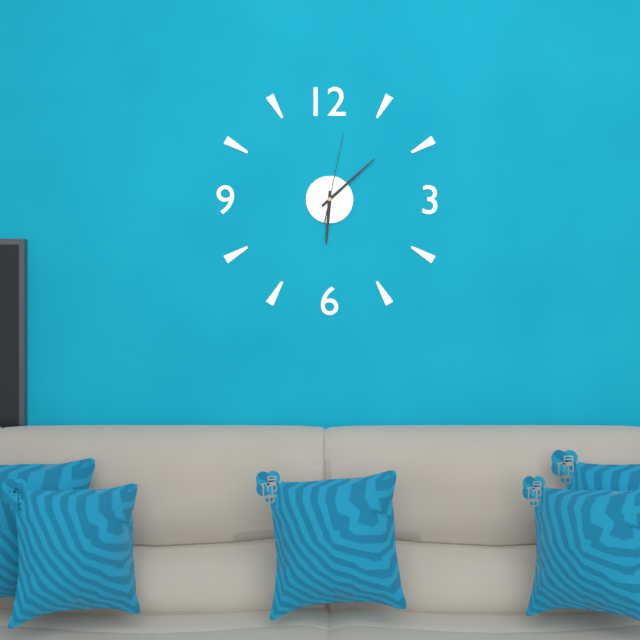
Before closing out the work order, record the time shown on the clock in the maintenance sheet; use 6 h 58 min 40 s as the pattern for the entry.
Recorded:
6 h 08 min 02 s
